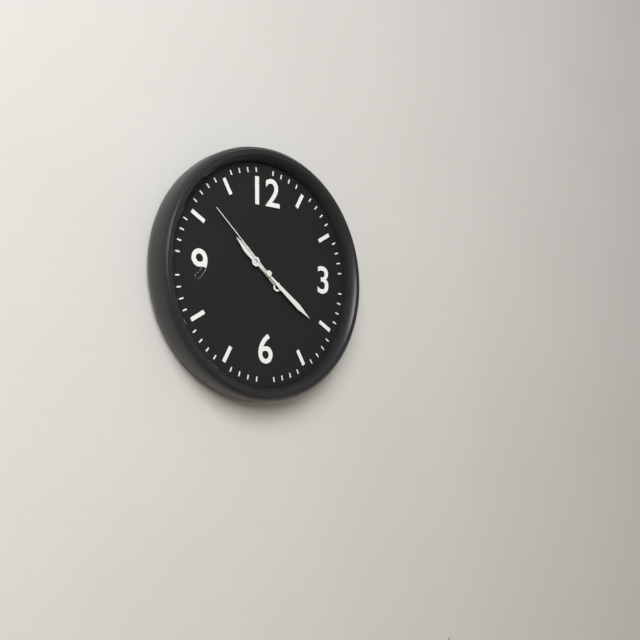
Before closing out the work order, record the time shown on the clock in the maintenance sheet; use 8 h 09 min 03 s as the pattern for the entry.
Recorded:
10 h 21 min 52 s
